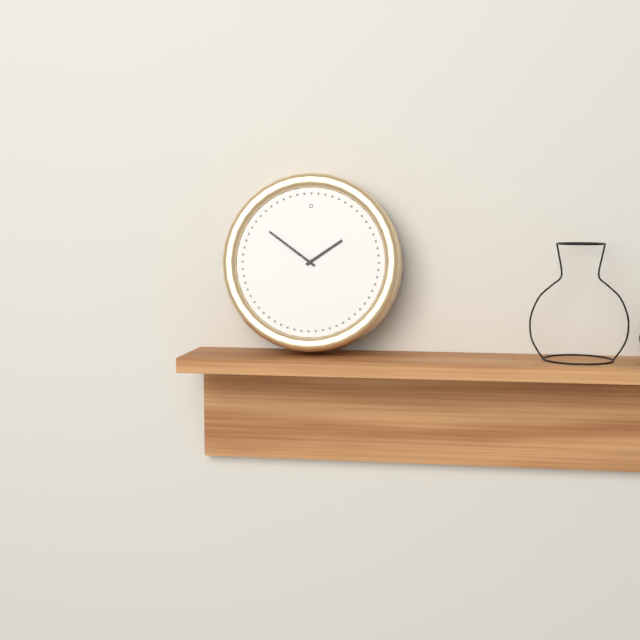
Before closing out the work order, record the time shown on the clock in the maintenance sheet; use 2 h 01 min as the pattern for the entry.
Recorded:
1 h 51 min
